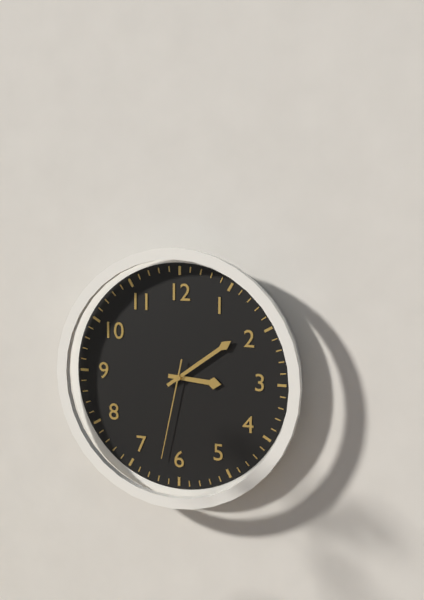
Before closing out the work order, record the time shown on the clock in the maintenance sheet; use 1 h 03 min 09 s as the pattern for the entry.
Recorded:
3 h 09 min 32 s
